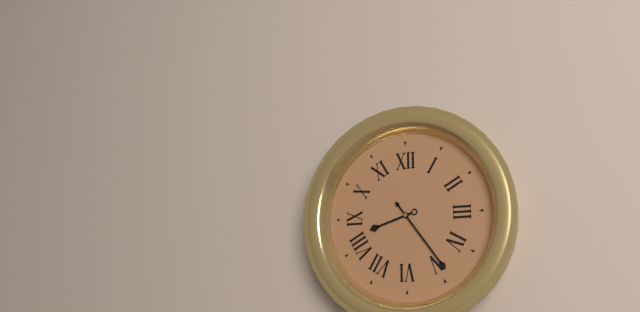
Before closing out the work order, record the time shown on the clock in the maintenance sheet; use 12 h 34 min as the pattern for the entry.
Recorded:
8 h 24 min
